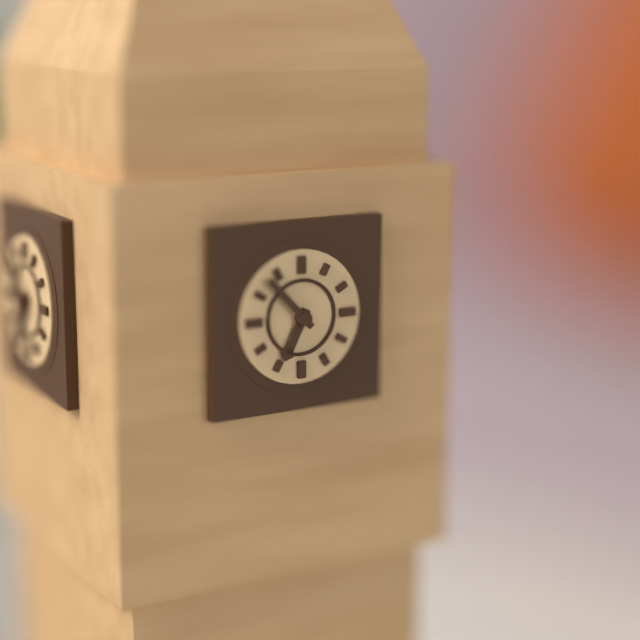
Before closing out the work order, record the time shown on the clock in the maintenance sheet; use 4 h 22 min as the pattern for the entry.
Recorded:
6 h 53 min
